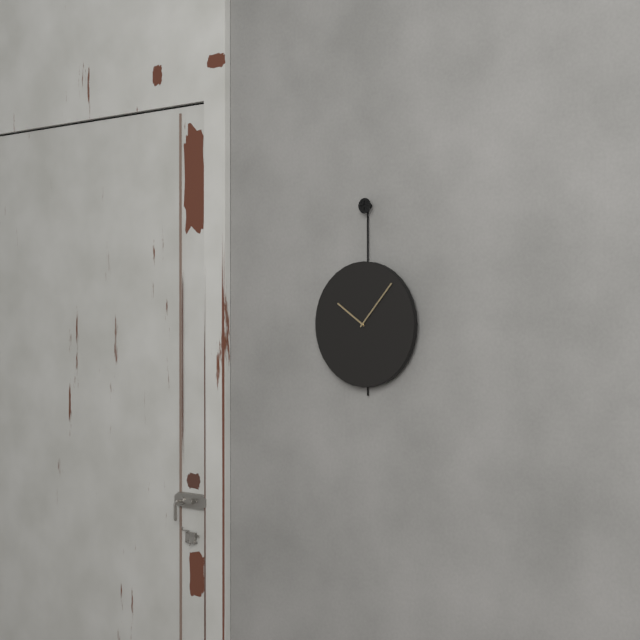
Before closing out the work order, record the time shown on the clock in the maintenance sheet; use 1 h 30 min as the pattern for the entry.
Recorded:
10 h 07 min
